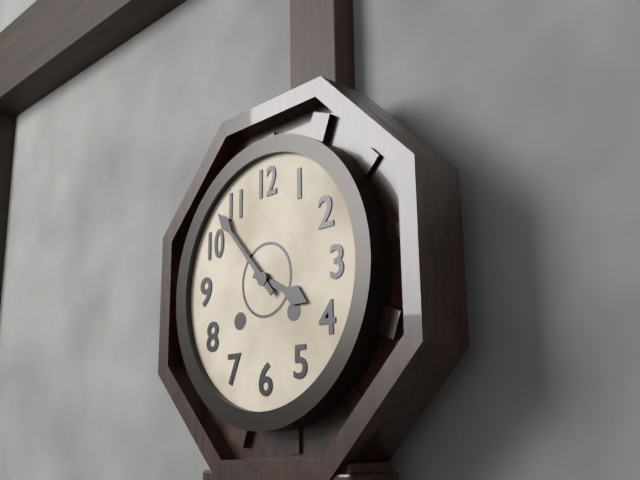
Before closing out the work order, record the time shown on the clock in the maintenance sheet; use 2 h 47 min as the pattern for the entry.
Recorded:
3 h 53 min
